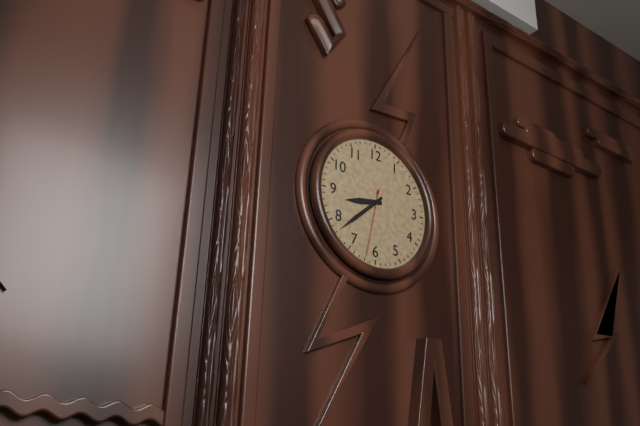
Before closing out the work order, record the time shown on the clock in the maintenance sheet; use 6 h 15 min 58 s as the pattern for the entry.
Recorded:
8 h 38 min 32 s
